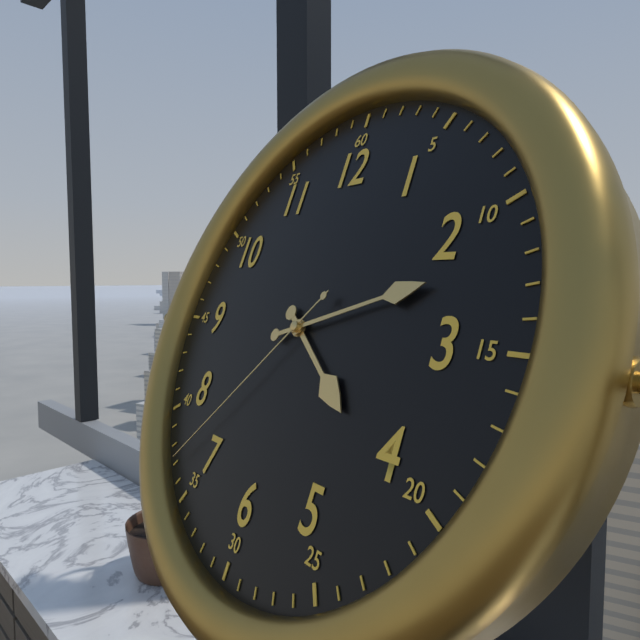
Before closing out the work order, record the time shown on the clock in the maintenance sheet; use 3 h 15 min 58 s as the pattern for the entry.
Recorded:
4 h 12 min 37 s
